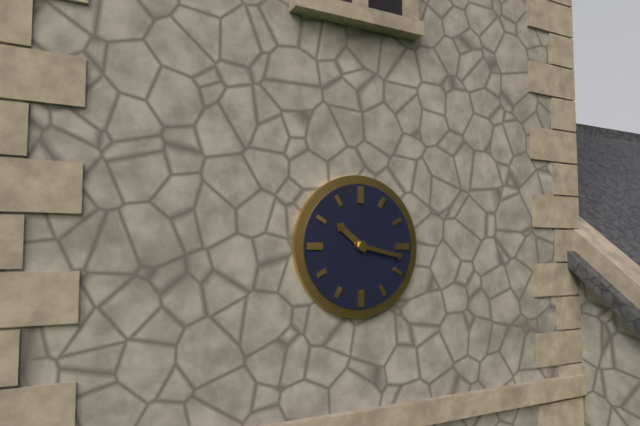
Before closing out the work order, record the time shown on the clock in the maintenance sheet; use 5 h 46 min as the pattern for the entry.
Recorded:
10 h 17 min
